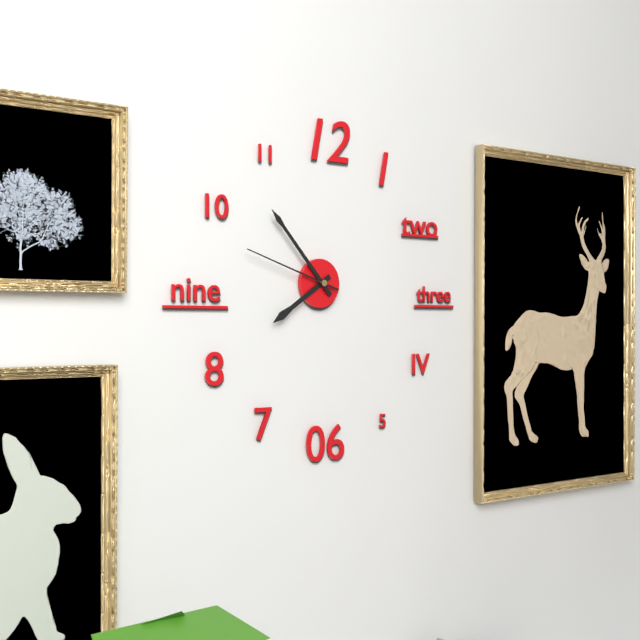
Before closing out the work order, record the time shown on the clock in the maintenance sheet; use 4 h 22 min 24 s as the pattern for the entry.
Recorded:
7 h 53 min 48 s
